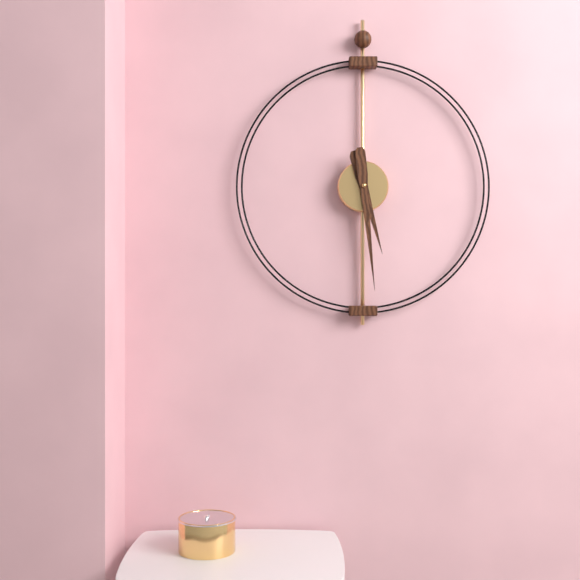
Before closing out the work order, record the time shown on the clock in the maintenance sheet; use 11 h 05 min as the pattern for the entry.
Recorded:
5 h 29 min
